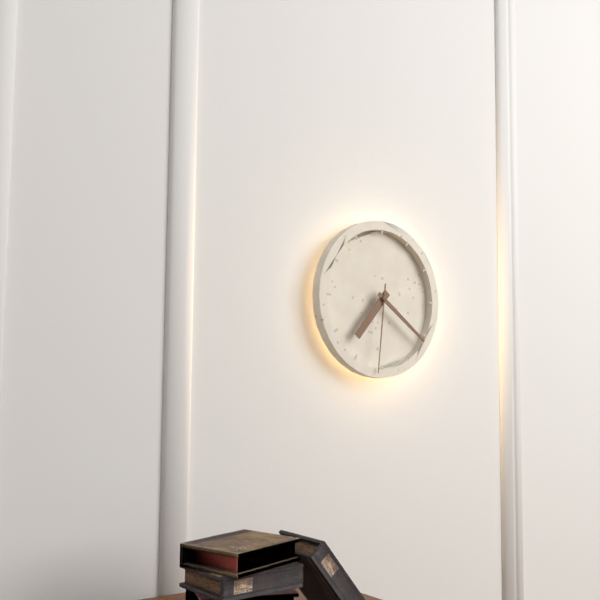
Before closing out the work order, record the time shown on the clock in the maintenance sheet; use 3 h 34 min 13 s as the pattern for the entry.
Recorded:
7 h 21 min 31 s
